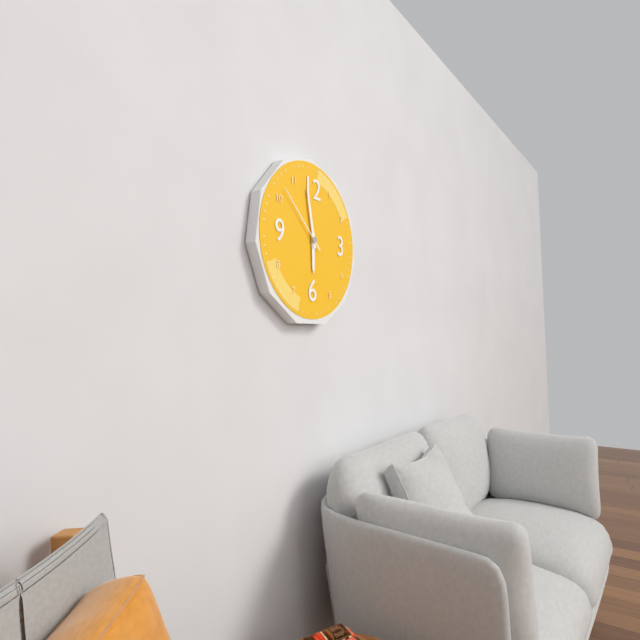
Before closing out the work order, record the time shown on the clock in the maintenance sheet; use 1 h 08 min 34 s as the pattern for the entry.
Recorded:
5 h 58 min 52 s
